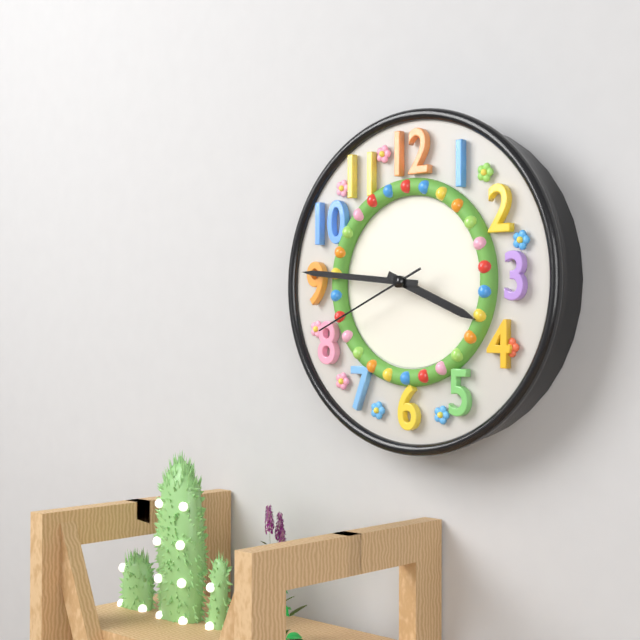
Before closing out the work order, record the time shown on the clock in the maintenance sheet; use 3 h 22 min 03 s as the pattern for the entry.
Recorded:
3 h 46 min 41 s
